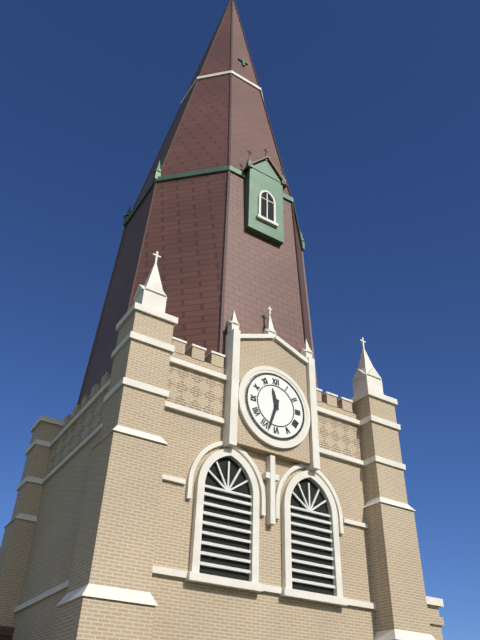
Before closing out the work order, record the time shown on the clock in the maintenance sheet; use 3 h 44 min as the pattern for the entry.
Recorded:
11 h 33 min
